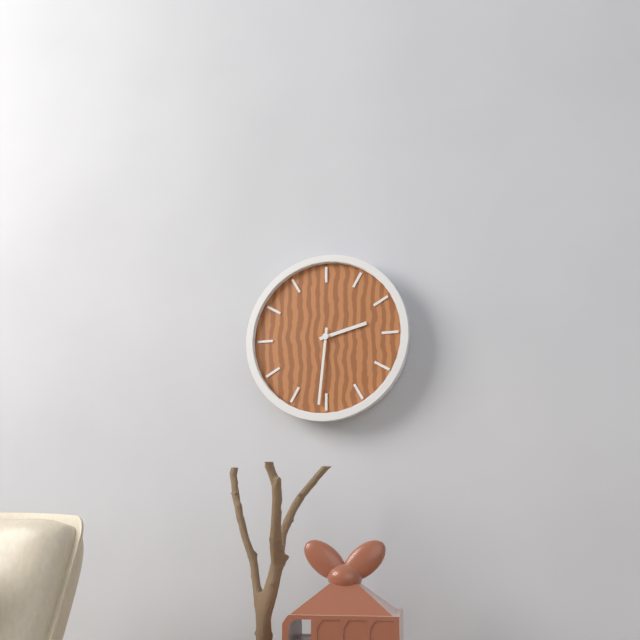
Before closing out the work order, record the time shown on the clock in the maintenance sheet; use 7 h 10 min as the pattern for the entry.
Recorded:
2 h 31 min
